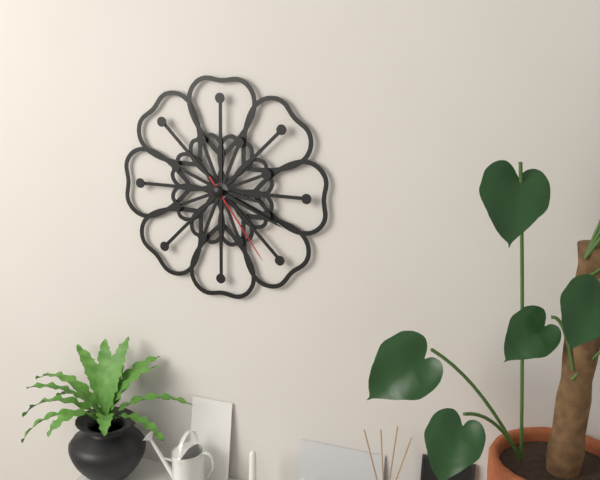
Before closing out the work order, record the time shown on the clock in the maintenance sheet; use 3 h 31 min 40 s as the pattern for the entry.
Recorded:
3 h 19 min 24 s
